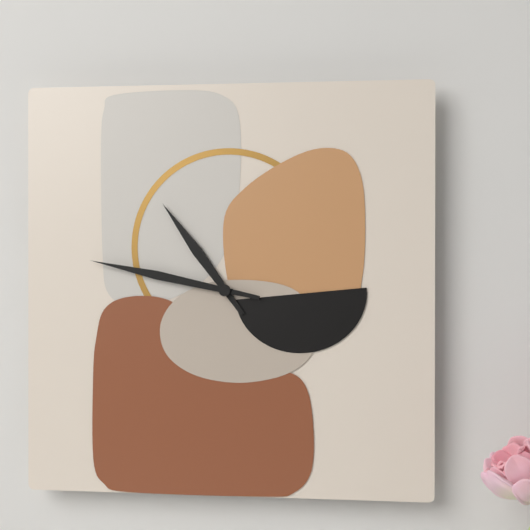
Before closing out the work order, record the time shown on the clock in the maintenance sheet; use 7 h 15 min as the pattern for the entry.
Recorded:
10 h 47 min
